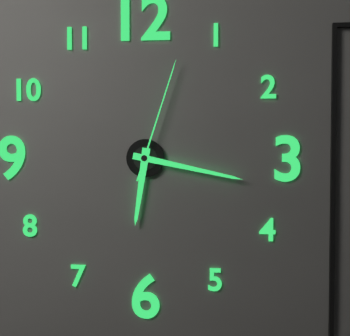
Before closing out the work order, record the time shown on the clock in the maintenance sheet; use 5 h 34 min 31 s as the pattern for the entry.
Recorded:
6 h 17 min 03 s
